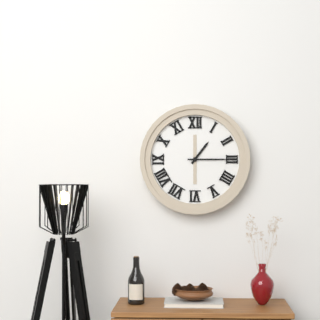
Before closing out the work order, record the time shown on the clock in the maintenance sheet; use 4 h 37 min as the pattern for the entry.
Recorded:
1 h 15 min
